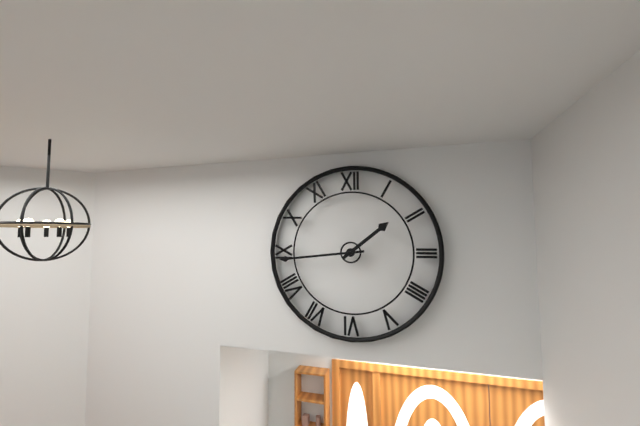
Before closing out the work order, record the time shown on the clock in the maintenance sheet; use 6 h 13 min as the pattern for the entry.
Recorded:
1 h 44 min
